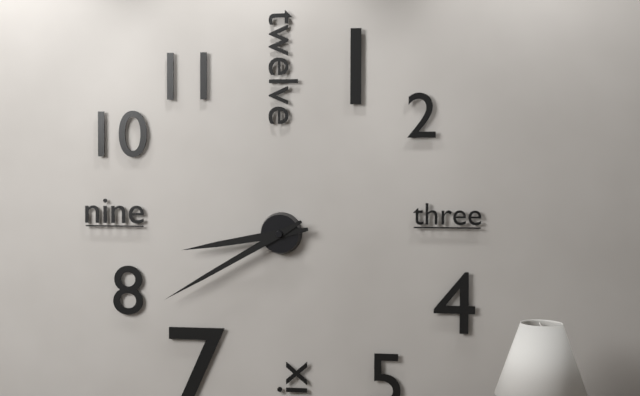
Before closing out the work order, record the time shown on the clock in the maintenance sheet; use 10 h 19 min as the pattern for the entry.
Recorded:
8 h 40 min
